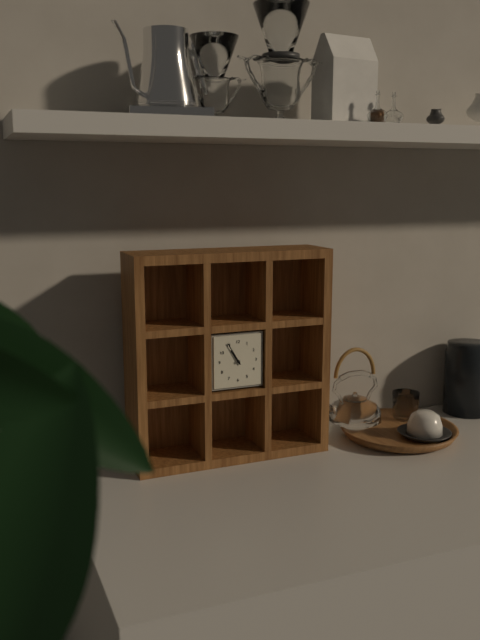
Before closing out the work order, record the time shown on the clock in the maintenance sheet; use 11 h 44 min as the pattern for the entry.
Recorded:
10 h 55 min
